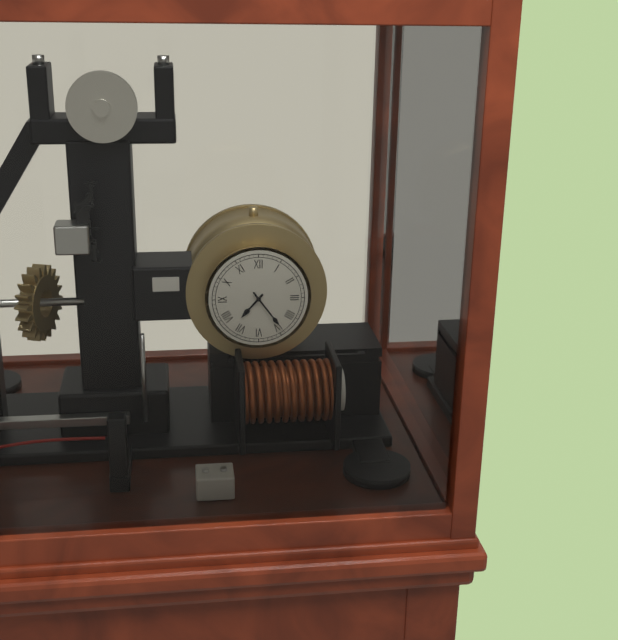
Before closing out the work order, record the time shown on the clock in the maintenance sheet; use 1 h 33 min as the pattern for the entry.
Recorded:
7 h 24 min
